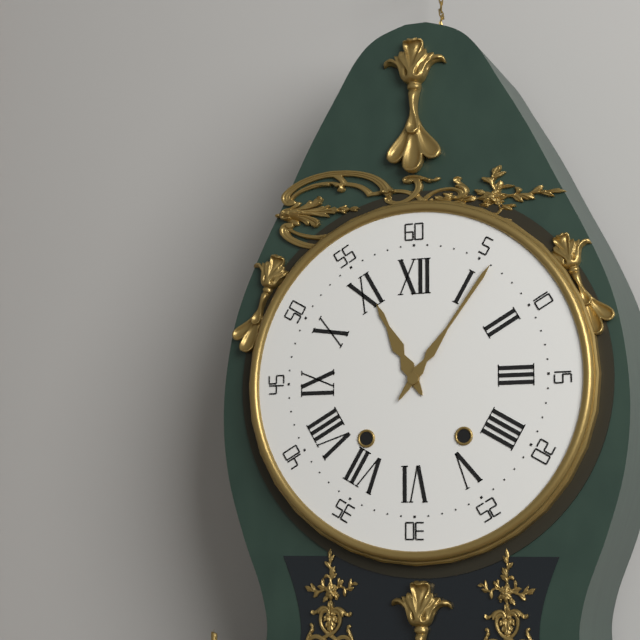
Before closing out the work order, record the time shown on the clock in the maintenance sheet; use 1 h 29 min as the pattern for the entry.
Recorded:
11 h 06 min
